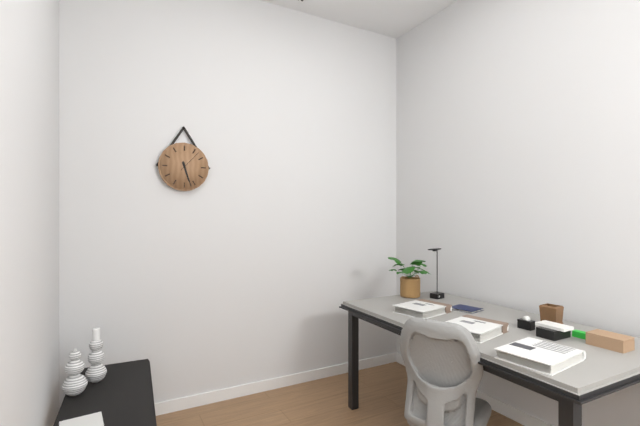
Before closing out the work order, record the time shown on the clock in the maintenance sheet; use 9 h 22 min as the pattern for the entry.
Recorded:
5 h 27 min
